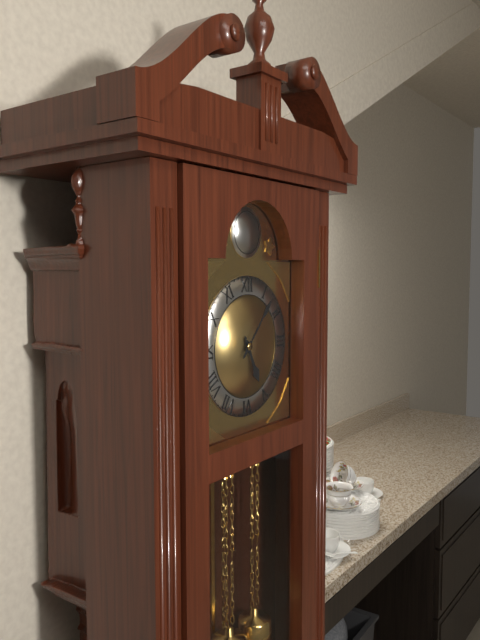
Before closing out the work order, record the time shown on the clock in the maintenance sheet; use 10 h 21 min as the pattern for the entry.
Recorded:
5 h 07 min
